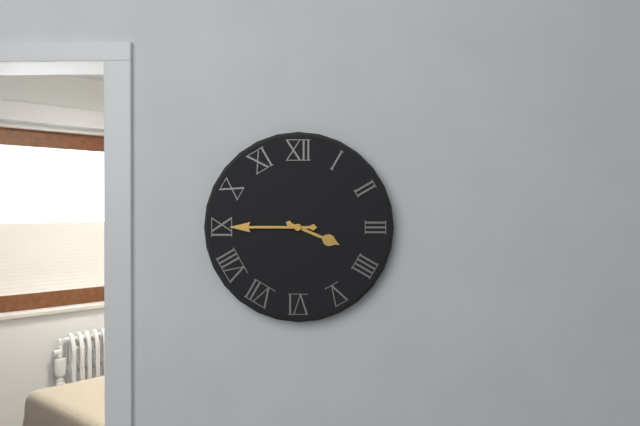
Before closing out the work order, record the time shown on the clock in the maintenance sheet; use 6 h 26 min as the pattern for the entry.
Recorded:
3 h 45 min
